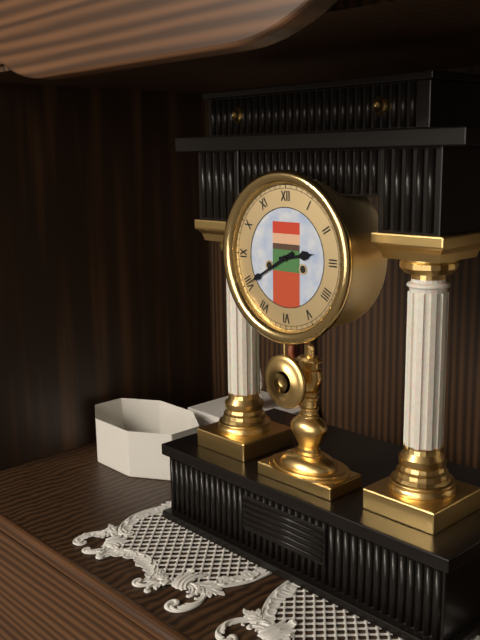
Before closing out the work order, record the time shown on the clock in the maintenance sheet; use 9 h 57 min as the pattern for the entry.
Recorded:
2 h 40 min
